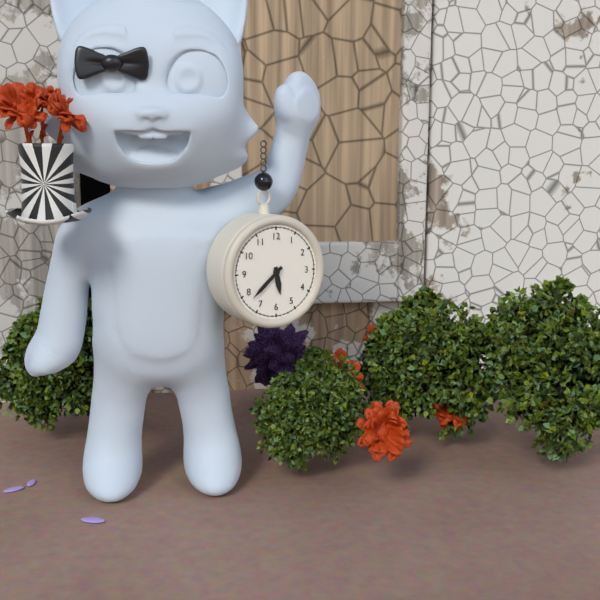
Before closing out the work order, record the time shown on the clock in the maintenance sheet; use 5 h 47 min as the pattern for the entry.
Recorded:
5 h 38 min
